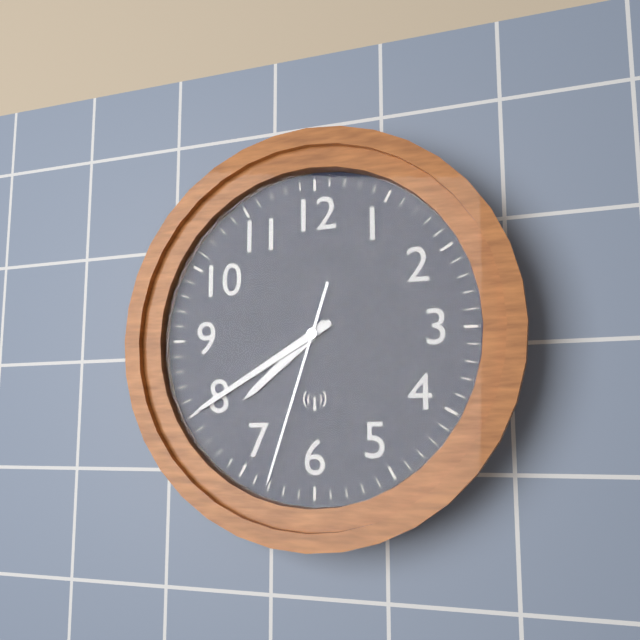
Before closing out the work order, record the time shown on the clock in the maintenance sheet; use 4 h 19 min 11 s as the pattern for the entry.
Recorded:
7 h 40 min 33 s
